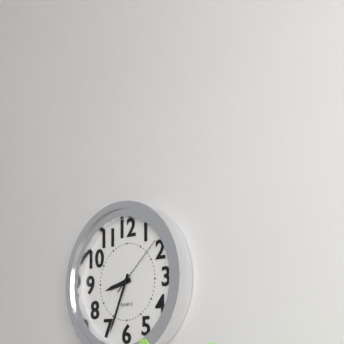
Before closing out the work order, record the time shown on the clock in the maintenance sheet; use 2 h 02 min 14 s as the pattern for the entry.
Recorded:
8 h 34 min 08 s
